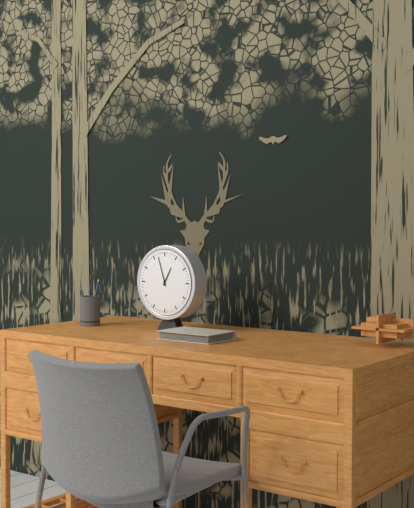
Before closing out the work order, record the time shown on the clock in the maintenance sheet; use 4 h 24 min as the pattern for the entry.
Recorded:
12 h 57 min
